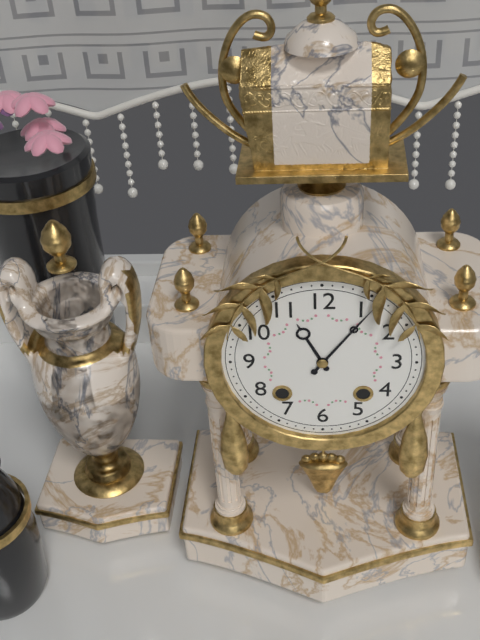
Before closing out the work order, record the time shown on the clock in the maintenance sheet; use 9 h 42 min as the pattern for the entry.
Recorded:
11 h 06 min
